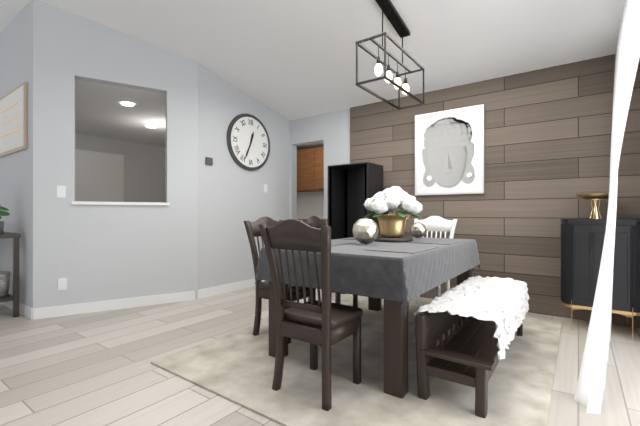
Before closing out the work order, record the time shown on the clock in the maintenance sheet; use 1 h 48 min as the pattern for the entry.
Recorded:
12 h 34 min
